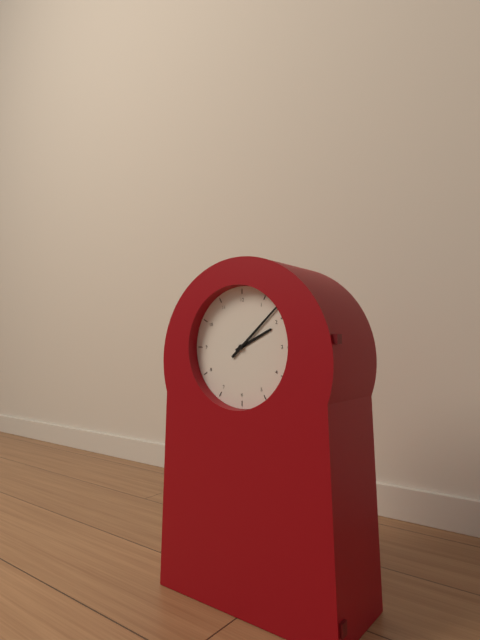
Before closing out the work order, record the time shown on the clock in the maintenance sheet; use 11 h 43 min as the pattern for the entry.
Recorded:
2 h 08 min
